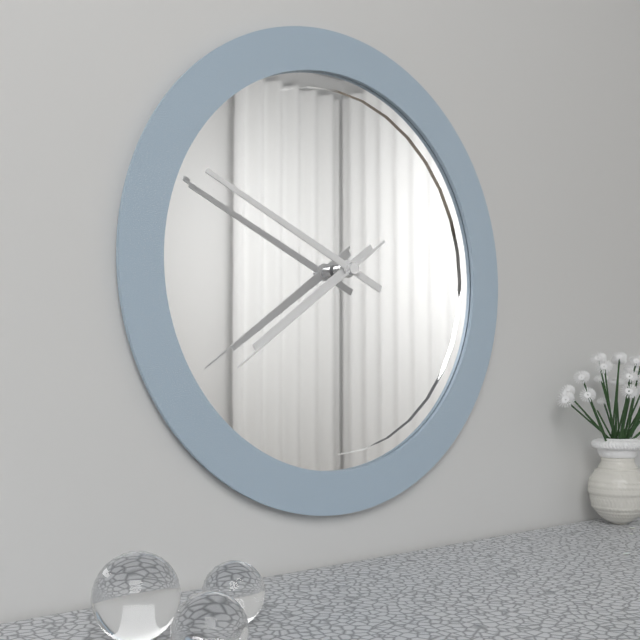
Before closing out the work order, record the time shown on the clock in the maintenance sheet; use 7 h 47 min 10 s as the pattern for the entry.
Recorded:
7 h 49 min 39 s
